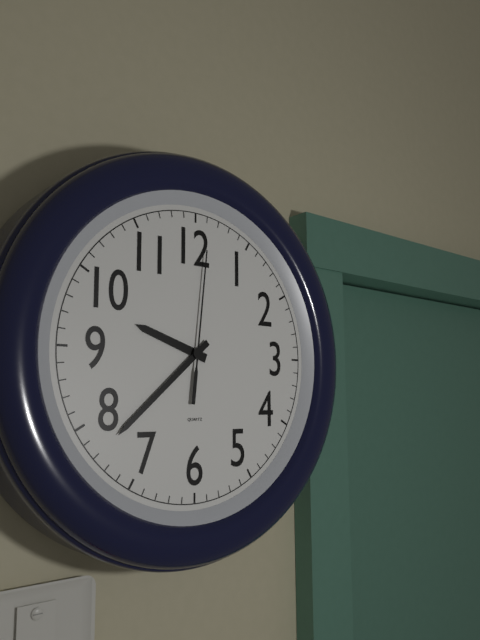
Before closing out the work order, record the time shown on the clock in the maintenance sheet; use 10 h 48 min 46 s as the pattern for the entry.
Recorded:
9 h 38 min 01 s
